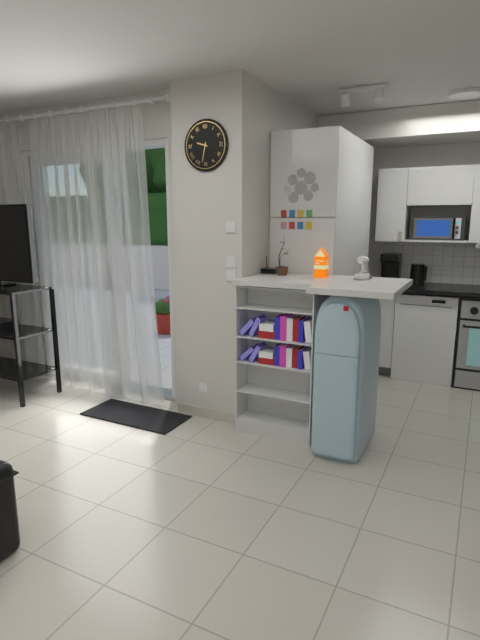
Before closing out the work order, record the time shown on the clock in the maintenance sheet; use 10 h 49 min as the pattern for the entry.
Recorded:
9 h 32 min
